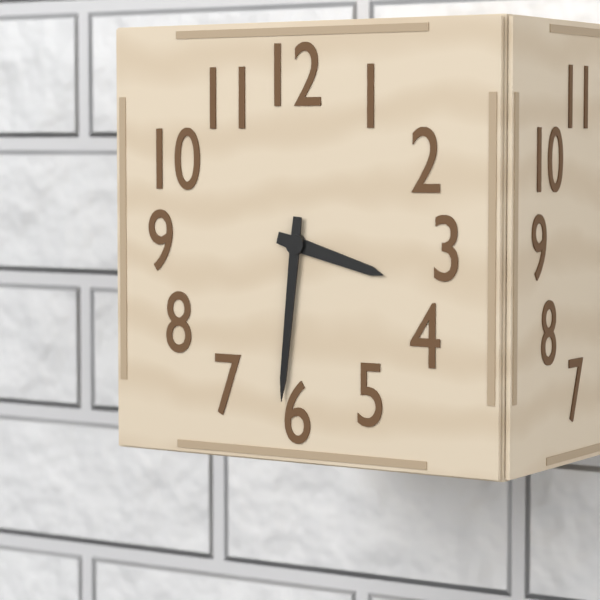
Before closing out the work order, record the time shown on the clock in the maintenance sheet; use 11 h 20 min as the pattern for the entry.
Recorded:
3 h 31 min
